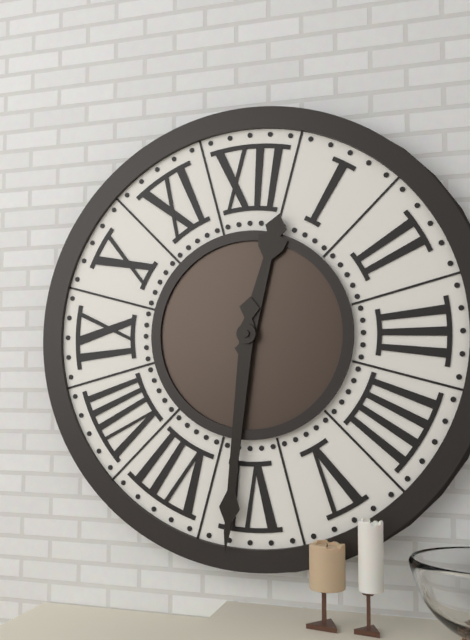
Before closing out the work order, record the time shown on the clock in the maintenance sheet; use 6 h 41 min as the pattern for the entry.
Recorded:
12 h 31 min
